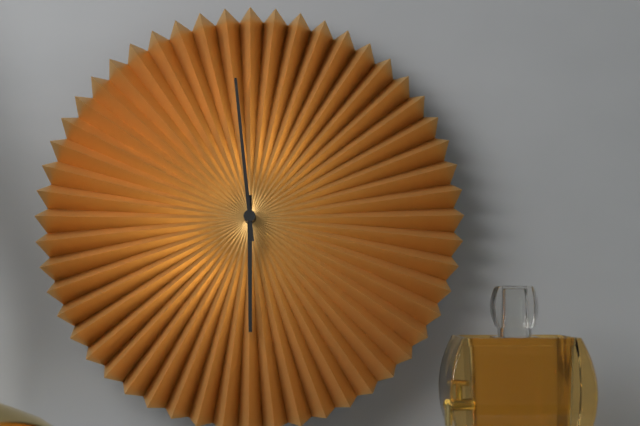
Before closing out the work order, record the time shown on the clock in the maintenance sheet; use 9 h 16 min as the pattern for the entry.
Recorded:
5 h 59 min
